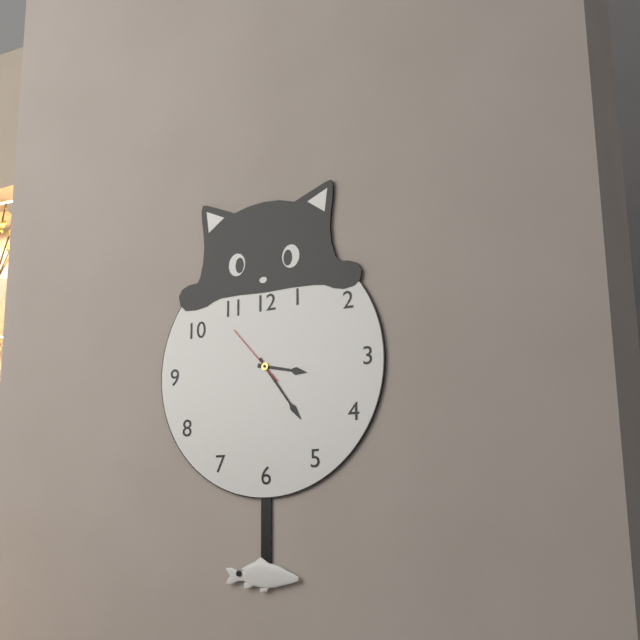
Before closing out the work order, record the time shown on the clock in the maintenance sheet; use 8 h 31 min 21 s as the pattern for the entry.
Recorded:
3 h 24 min 53 s
